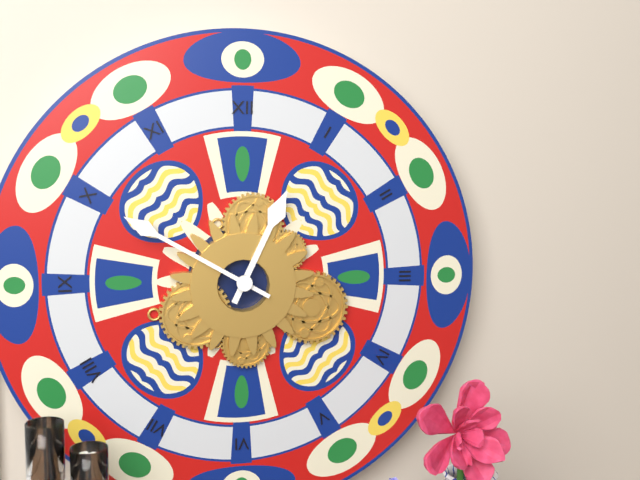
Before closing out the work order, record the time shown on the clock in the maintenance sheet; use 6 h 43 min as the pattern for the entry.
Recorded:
12 h 50 min
